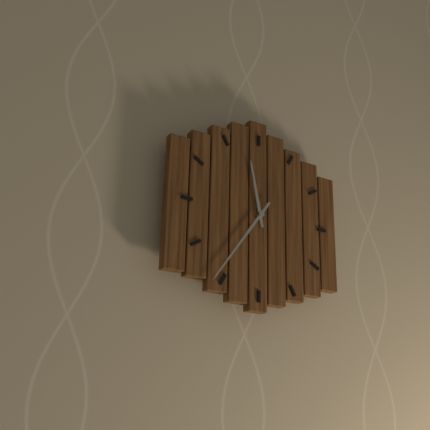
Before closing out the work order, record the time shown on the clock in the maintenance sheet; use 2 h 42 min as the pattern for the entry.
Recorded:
11 h 36 min
